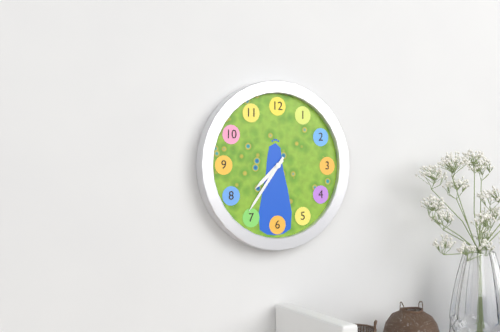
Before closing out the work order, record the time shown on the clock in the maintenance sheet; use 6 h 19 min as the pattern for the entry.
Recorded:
7 h 36 min
